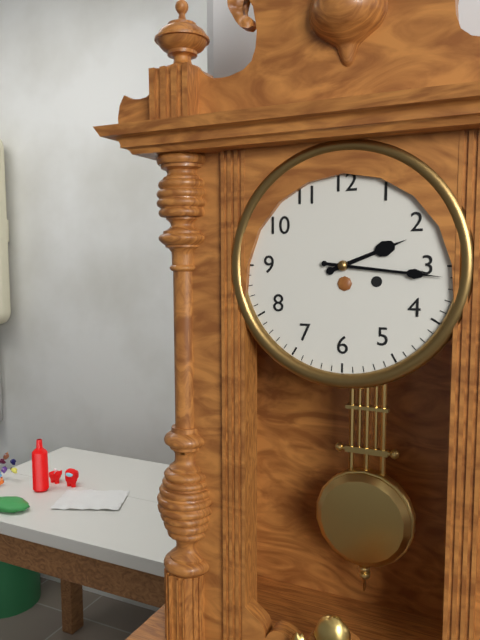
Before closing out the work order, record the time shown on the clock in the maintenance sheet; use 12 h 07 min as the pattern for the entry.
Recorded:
2 h 16 min
